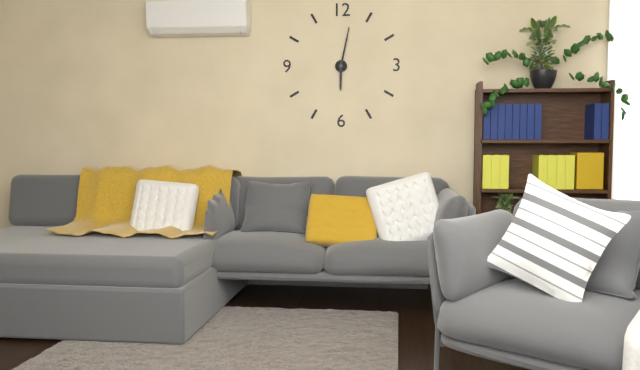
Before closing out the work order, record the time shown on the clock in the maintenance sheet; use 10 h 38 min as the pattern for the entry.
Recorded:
6 h 02 min
